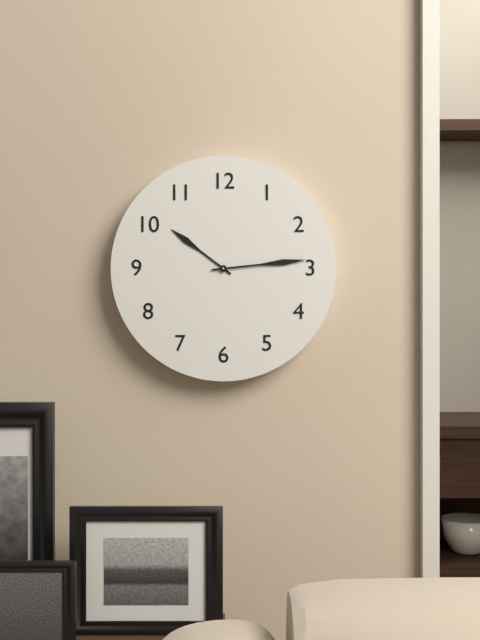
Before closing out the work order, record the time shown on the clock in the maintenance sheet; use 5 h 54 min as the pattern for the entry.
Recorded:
10 h 14 min
